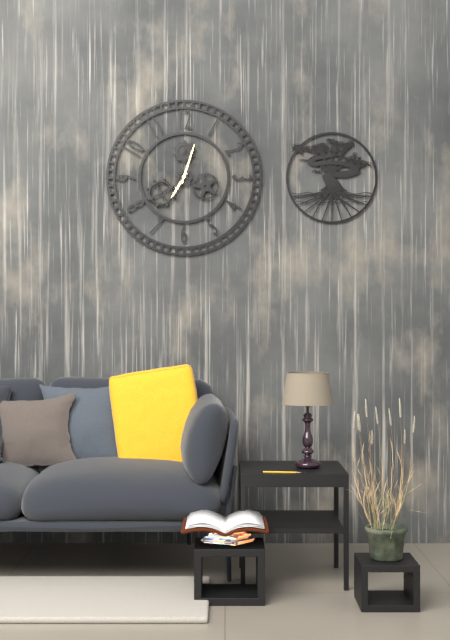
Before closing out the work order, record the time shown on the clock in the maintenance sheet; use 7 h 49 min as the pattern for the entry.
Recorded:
7 h 03 min
